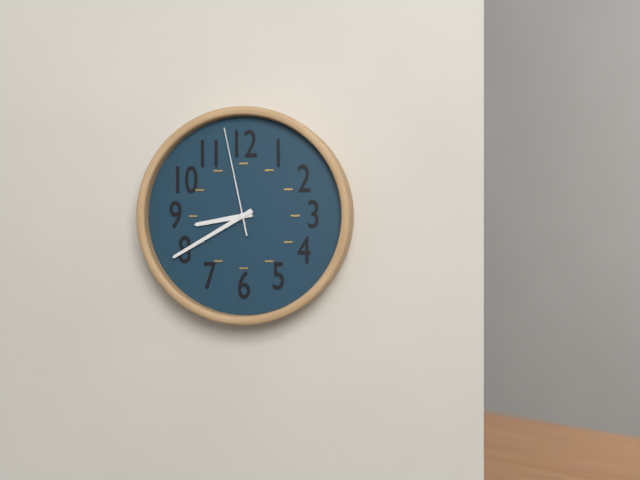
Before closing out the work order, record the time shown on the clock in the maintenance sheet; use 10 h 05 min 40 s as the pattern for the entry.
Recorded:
8 h 40 min 58 s
